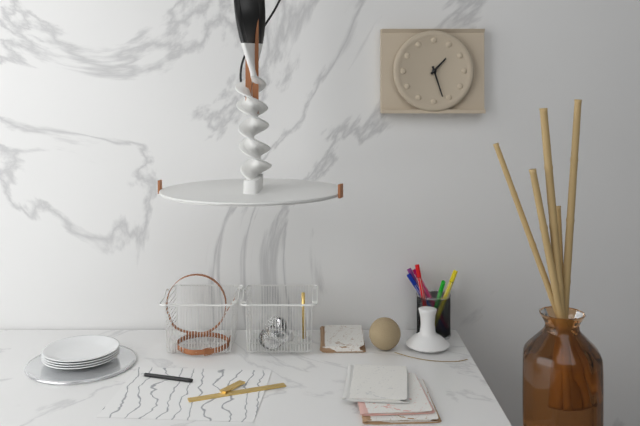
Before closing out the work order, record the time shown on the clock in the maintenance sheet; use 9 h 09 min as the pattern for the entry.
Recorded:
1 h 27 min
